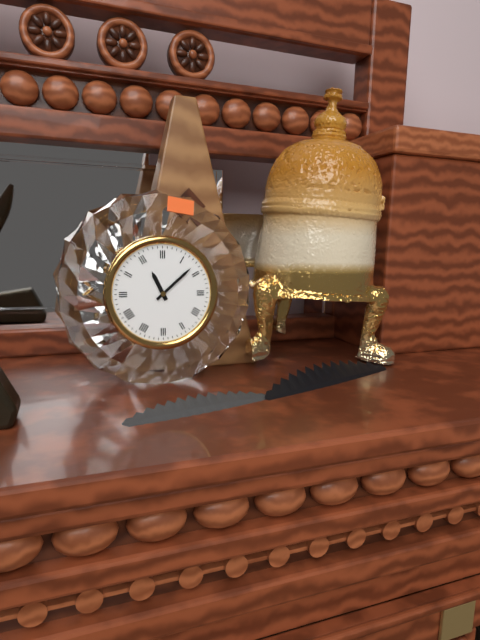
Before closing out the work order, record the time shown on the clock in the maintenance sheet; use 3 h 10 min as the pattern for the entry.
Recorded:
11 h 08 min
